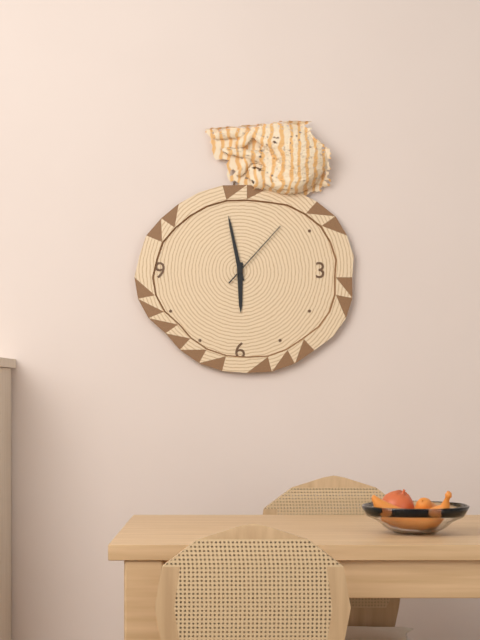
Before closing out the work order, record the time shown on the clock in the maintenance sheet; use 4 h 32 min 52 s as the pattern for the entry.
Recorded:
5 h 58 min 07 s
